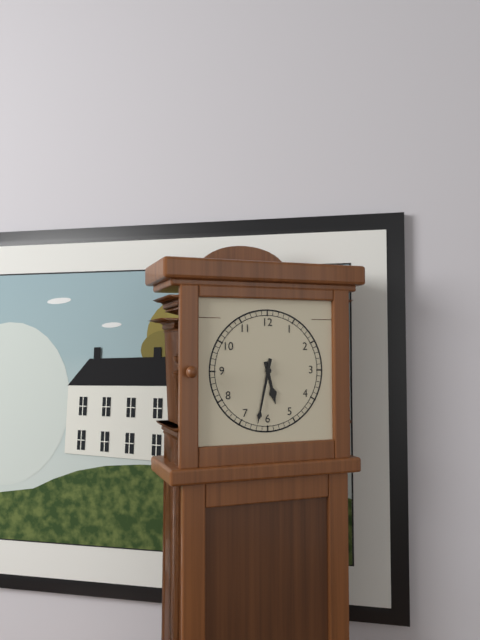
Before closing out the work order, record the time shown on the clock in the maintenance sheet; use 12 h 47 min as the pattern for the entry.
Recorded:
5 h 32 min
